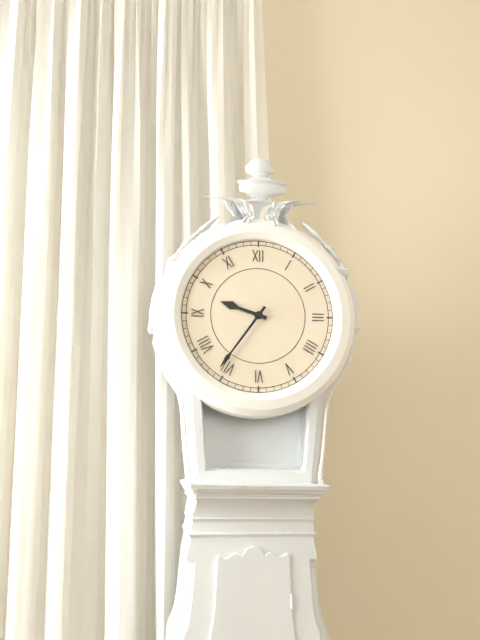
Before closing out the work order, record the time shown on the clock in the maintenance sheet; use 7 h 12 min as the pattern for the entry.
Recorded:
9 h 36 min
